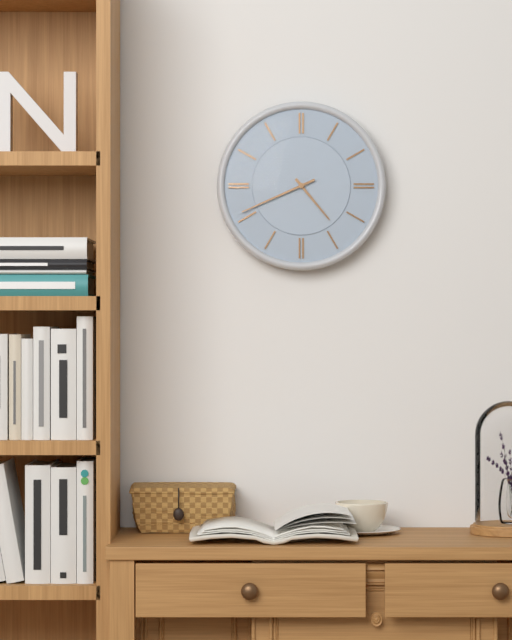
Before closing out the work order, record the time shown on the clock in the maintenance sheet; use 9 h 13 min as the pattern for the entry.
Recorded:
4 h 41 min
